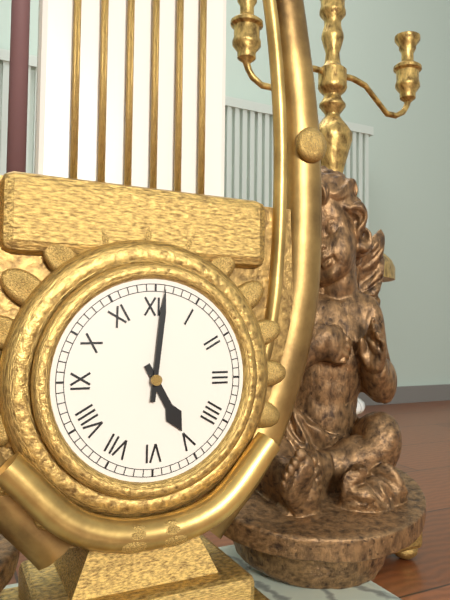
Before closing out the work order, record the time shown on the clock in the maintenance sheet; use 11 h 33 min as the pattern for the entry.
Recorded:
5 h 01 min
